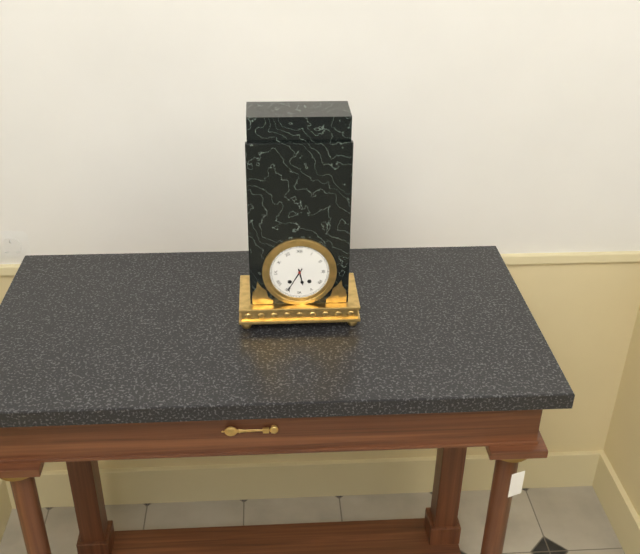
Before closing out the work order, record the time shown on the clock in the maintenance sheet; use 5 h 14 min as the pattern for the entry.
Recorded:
5 h 35 min
